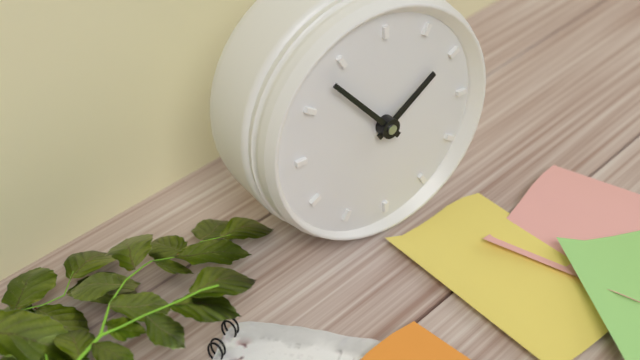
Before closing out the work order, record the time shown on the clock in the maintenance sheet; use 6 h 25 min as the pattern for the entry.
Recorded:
1 h 53 min
